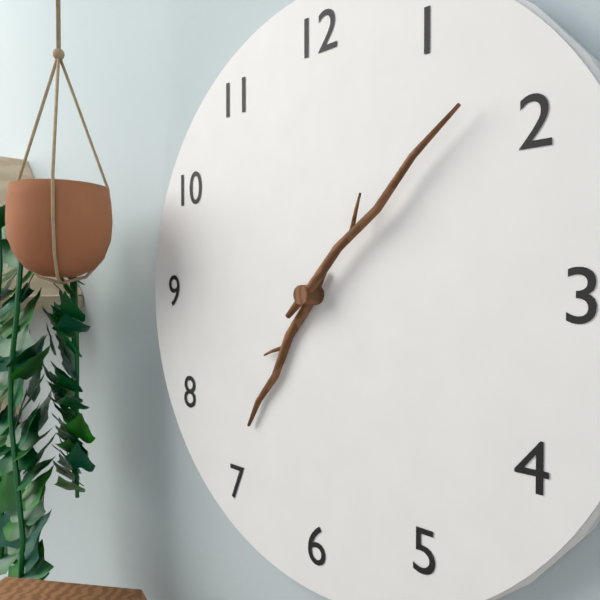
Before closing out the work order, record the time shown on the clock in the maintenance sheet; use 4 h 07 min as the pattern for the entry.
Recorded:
7 h 08 min
